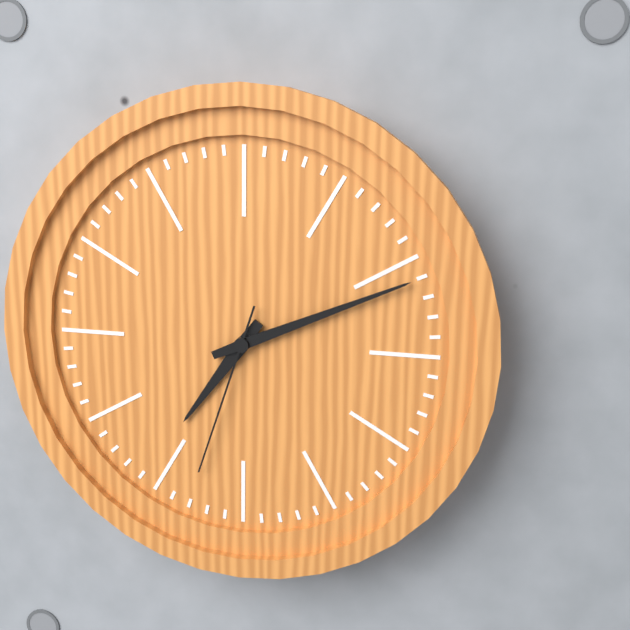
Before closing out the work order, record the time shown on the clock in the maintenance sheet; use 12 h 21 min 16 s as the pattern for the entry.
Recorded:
7 h 11 min 33 s
